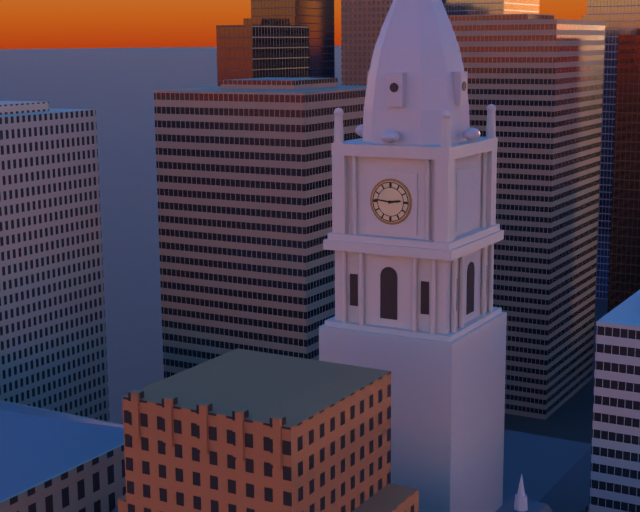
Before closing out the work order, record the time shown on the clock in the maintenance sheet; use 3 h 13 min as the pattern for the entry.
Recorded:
2 h 46 min
